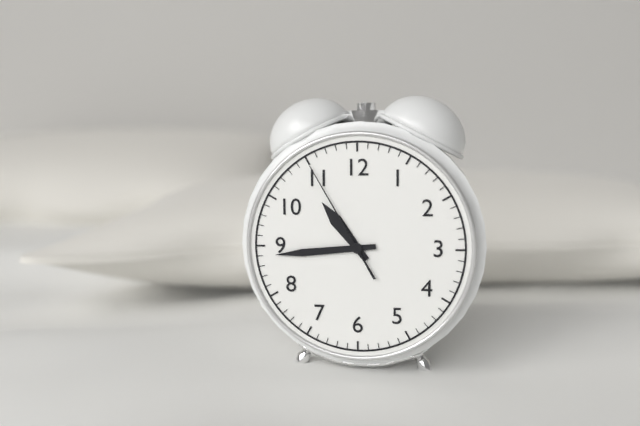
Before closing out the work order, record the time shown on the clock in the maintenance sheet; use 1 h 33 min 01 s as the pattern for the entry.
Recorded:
10 h 44 min 55 s
